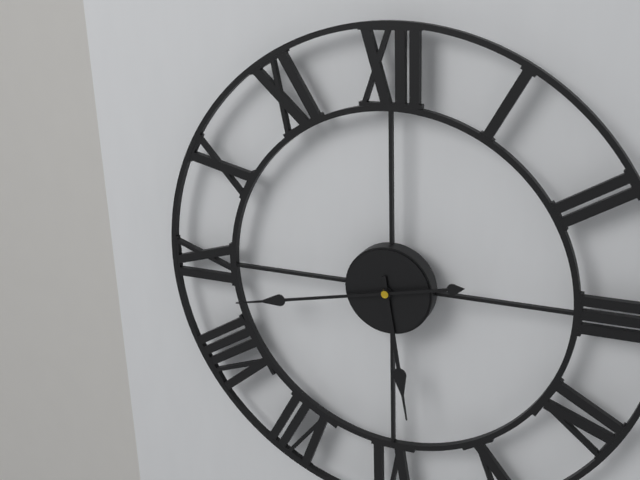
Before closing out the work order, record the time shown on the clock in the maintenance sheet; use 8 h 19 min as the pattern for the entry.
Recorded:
5 h 43 min
